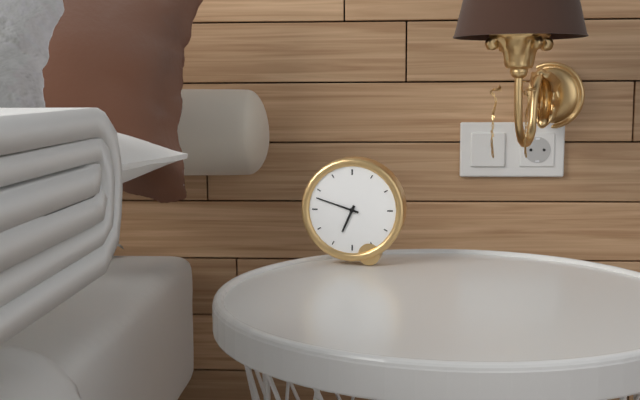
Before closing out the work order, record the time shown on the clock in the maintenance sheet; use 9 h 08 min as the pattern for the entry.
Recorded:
6 h 48 min
